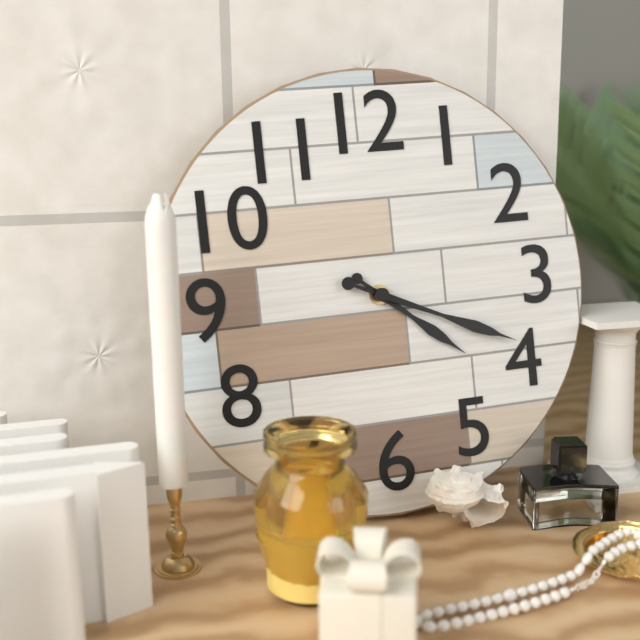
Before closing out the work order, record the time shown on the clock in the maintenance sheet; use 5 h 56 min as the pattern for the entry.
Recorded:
4 h 19 min
